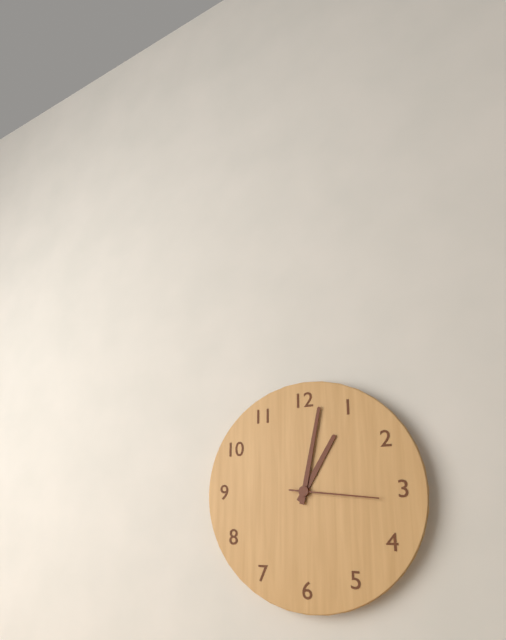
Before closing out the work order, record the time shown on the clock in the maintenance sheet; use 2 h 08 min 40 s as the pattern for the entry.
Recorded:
1 h 02 min 16 s
